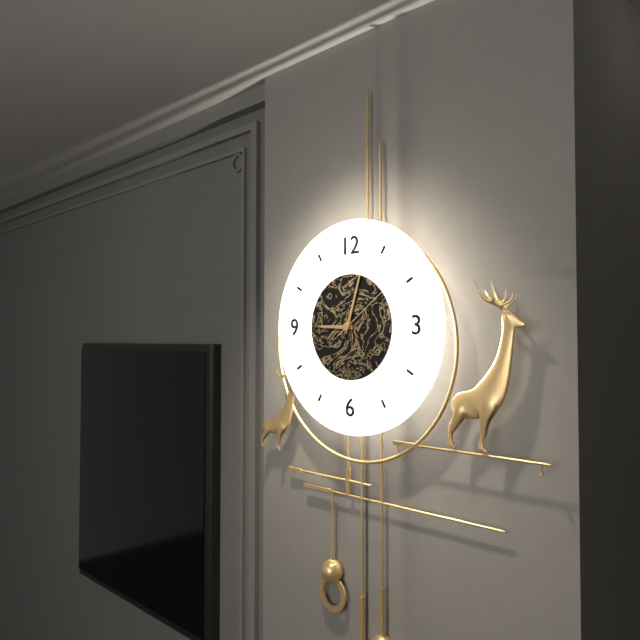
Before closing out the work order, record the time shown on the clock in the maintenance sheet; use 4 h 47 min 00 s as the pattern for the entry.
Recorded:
9 h 03 min 09 s
